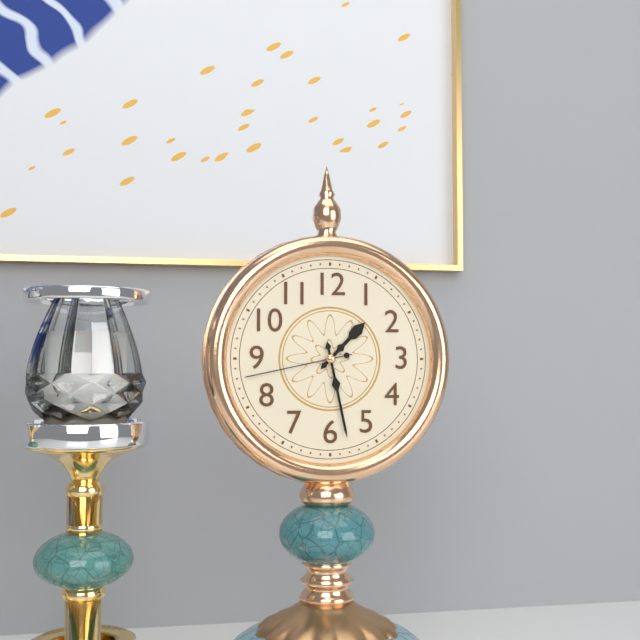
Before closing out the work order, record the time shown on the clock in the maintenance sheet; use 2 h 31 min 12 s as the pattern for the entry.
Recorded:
1 h 28 min 43 s
